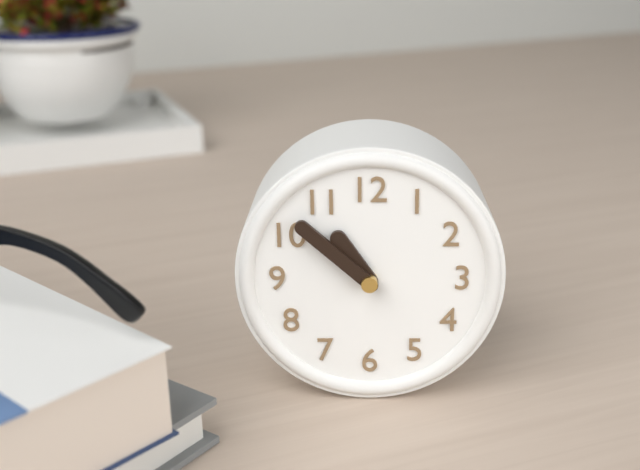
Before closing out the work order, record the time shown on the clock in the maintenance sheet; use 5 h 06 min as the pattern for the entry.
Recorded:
10 h 52 min
